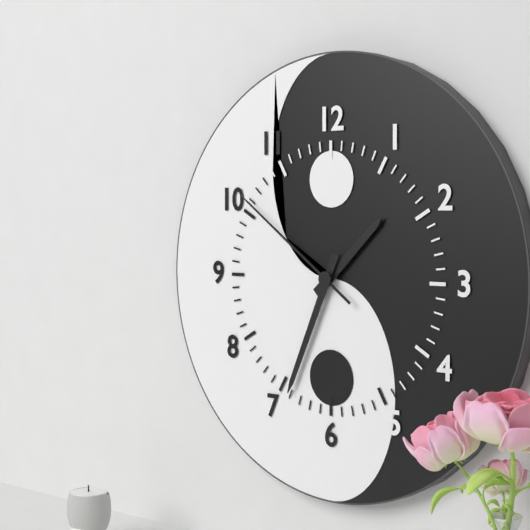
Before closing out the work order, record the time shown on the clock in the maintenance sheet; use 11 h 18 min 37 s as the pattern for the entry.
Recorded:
1 h 34 min 51 s
